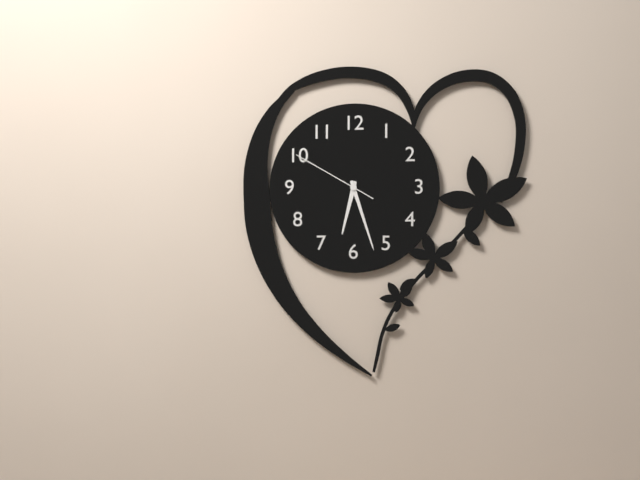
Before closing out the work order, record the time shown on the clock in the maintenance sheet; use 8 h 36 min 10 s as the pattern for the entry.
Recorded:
6 h 27 min 50 s
